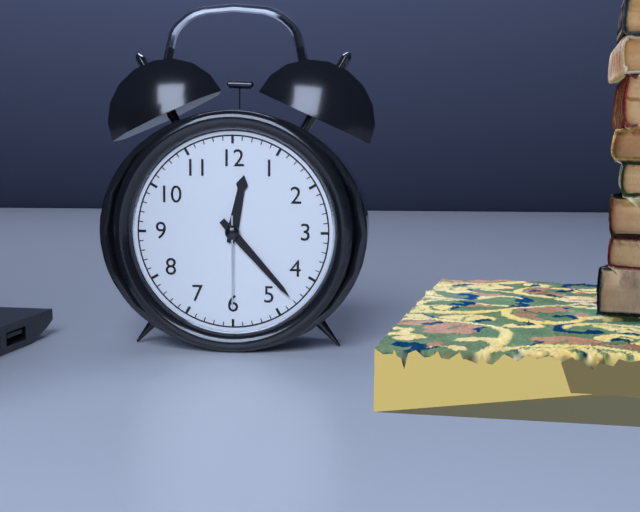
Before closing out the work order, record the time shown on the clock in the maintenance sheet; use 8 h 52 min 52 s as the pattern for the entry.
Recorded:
12 h 23 min 30 s
